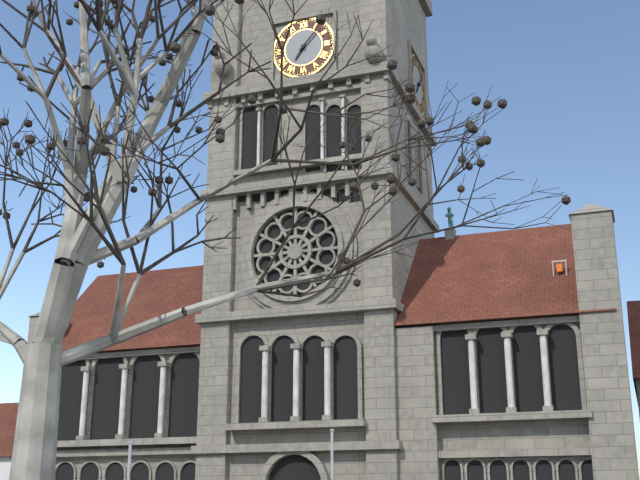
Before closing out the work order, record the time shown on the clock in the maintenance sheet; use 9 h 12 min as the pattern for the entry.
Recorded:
7 h 07 min
